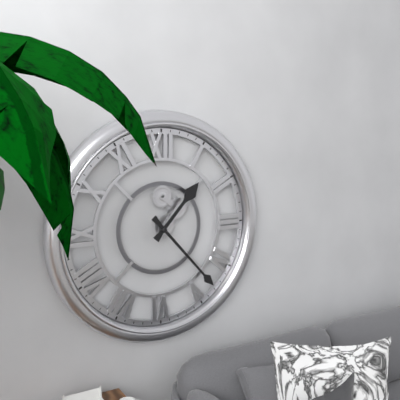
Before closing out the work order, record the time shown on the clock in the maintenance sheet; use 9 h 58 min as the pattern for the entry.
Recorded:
1 h 23 min
